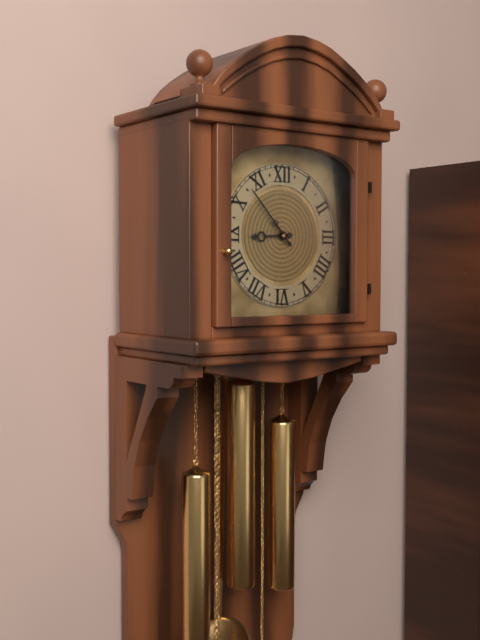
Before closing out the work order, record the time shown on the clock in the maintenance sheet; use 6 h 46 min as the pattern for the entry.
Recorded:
8 h 53 min
